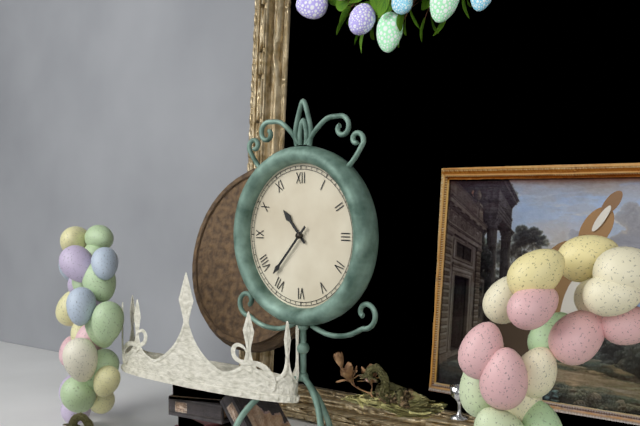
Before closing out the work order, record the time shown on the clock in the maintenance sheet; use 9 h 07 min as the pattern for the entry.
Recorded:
10 h 37 min
